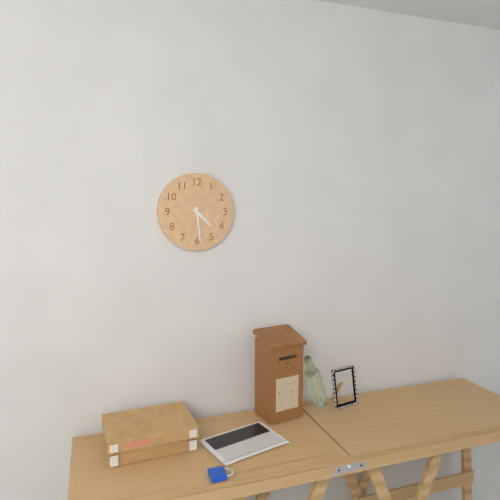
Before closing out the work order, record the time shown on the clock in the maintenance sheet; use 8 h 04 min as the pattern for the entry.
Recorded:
4 h 29 min
